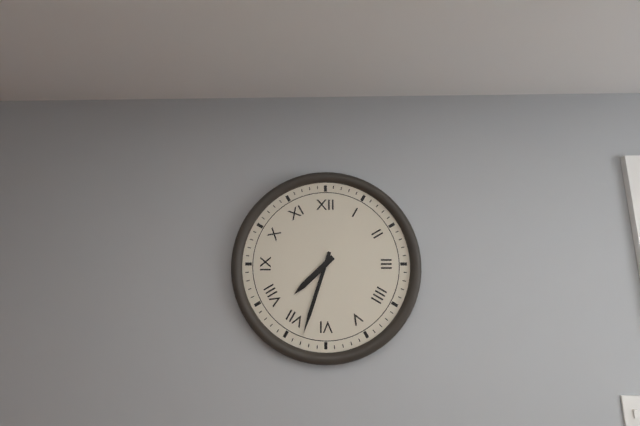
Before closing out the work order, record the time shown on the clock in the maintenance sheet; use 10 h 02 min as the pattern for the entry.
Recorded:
7 h 33 min
